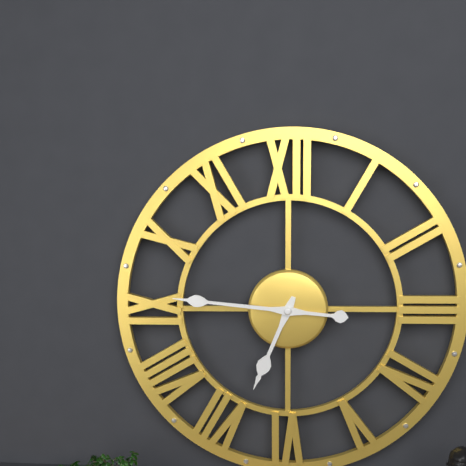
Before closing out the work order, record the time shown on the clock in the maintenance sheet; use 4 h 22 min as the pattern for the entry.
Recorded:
6 h 46 min
